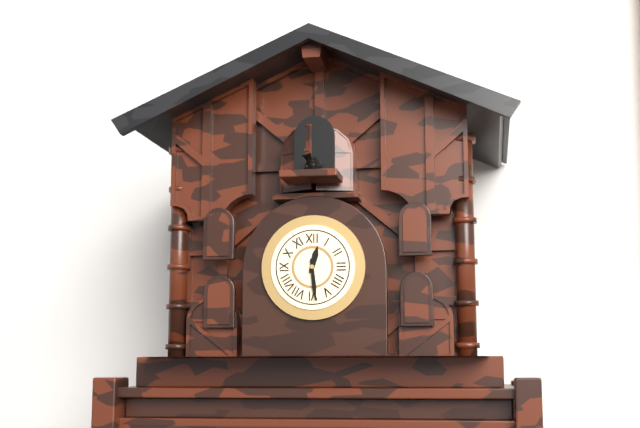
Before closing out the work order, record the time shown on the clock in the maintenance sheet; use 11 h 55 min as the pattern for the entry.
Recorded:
12 h 29 min
